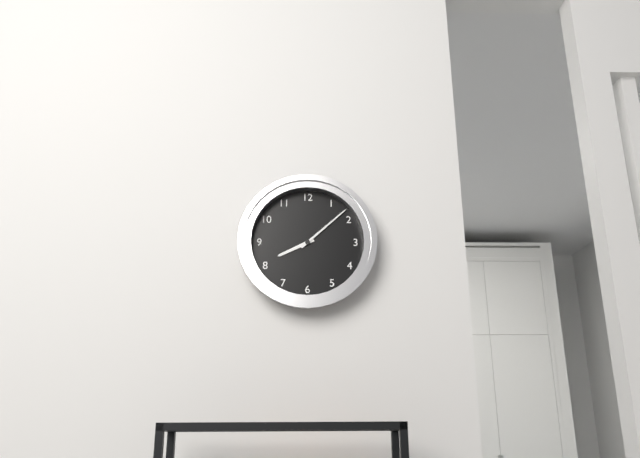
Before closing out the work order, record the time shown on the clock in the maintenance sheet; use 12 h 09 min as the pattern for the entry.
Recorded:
8 h 08 min
